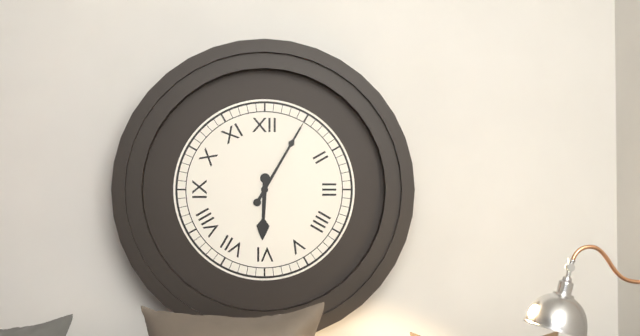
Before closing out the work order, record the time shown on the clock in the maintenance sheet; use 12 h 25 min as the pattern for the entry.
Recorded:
6 h 05 min
